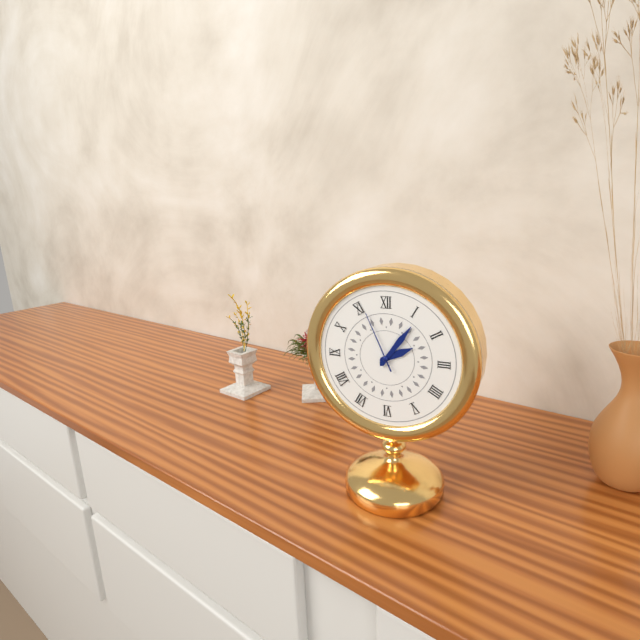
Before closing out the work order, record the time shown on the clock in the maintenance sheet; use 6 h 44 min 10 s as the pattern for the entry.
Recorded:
2 h 06 min 56 s
